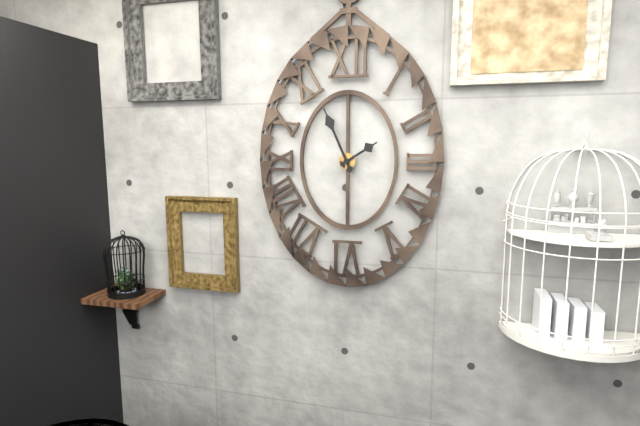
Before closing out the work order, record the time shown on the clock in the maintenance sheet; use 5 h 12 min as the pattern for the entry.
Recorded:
1 h 56 min
